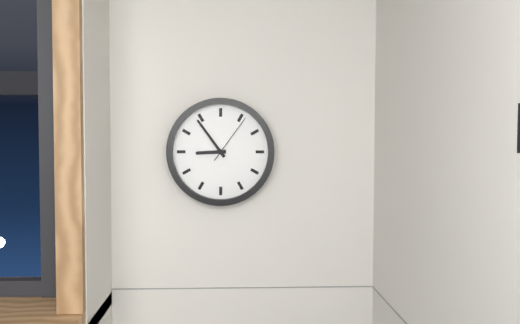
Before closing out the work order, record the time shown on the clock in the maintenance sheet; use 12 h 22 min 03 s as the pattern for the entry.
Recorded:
8 h 54 min 06 s
